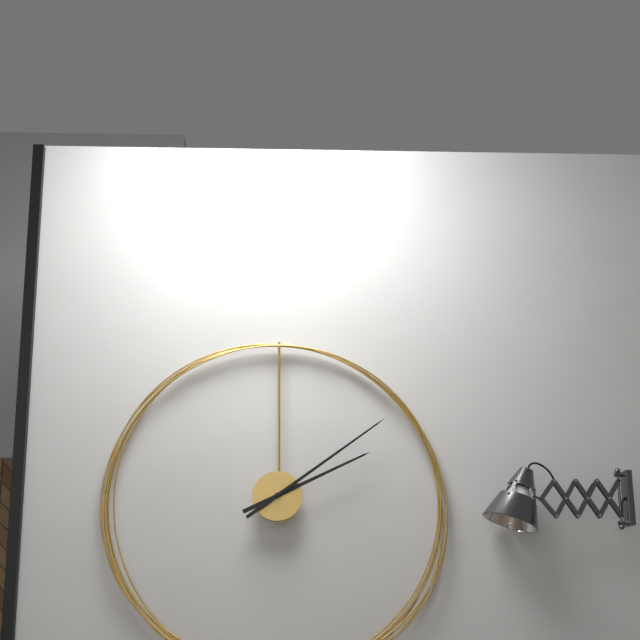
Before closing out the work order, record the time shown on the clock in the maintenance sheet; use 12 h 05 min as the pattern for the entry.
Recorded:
2 h 09 min
